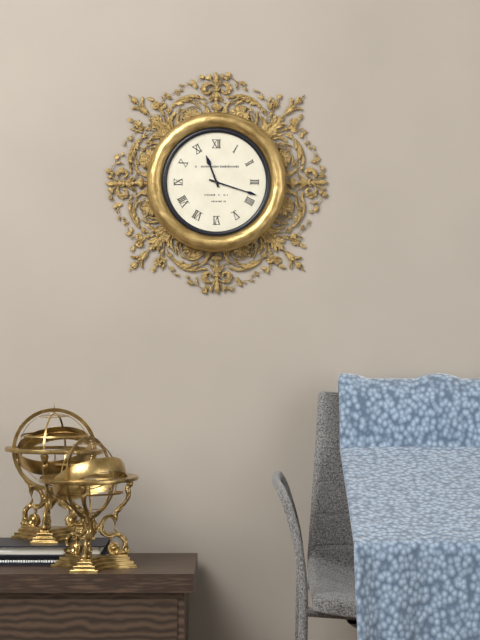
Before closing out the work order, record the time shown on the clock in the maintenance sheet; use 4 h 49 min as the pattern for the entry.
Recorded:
11 h 18 min
